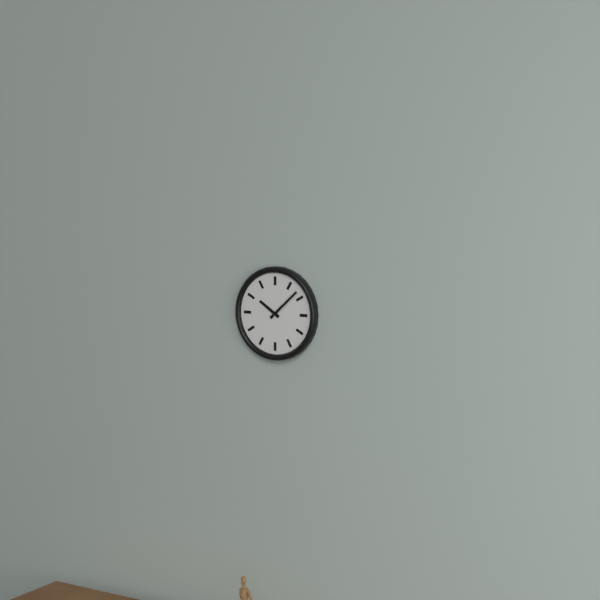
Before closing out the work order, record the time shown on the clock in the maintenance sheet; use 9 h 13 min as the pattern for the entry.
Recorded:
10 h 08 min
